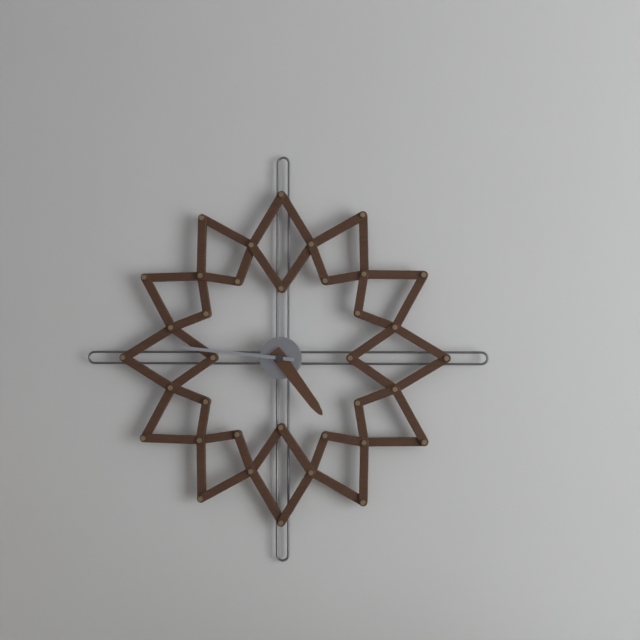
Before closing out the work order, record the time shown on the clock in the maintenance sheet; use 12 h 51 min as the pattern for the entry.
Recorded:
4 h 46 min
